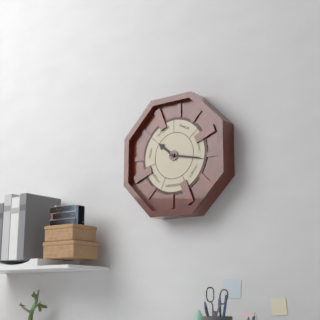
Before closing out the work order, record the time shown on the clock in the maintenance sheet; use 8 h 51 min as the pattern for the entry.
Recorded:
10 h 17 min
